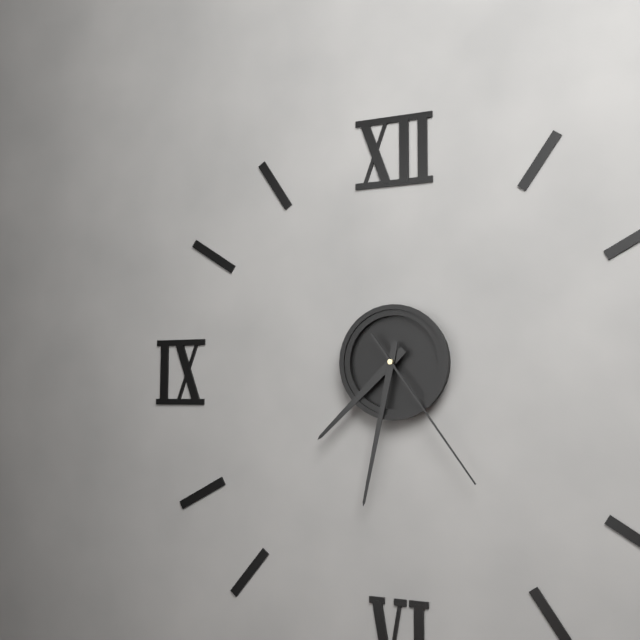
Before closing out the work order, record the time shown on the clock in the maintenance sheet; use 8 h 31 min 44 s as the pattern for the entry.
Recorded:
7 h 32 min 24 s
